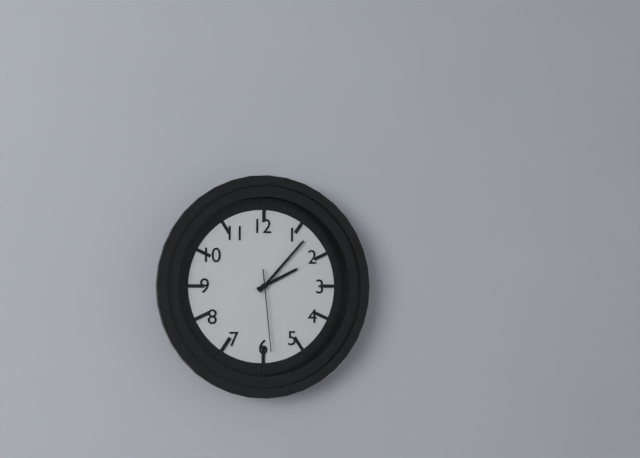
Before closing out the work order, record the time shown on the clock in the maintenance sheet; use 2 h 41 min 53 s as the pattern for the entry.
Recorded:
2 h 07 min 29 s
